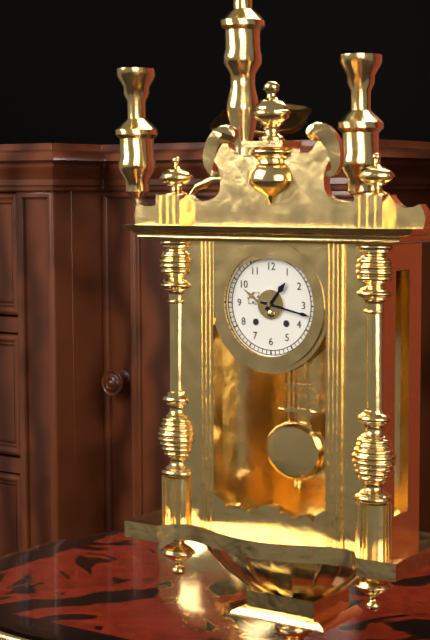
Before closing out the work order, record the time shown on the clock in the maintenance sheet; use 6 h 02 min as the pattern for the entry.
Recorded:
1 h 17 min
